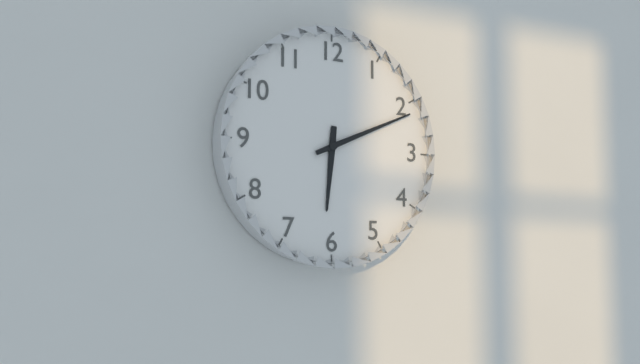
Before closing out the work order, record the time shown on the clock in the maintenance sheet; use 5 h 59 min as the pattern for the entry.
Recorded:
6 h 11 min
